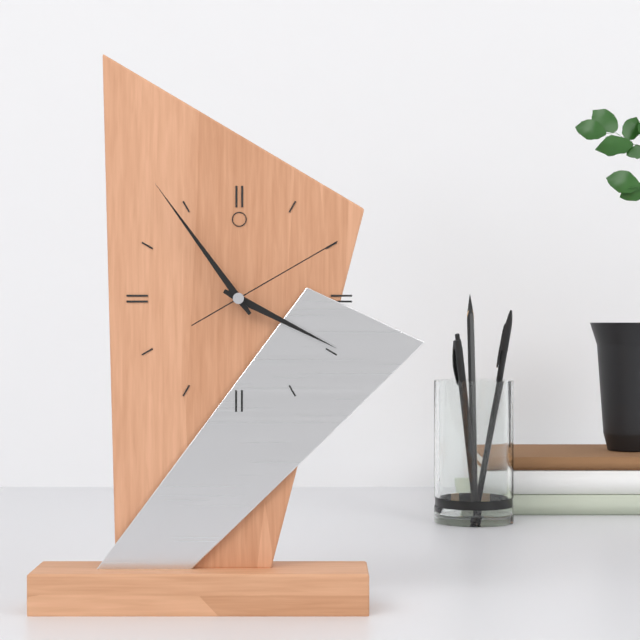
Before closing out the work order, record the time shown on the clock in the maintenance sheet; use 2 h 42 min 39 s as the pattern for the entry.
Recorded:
3 h 54 min 10 s
